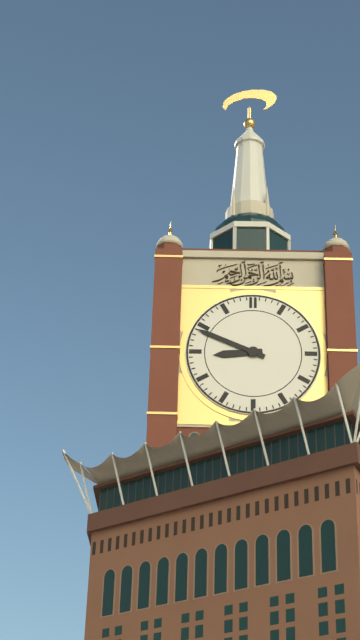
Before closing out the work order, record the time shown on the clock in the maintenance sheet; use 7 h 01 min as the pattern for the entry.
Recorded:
8 h 49 min
